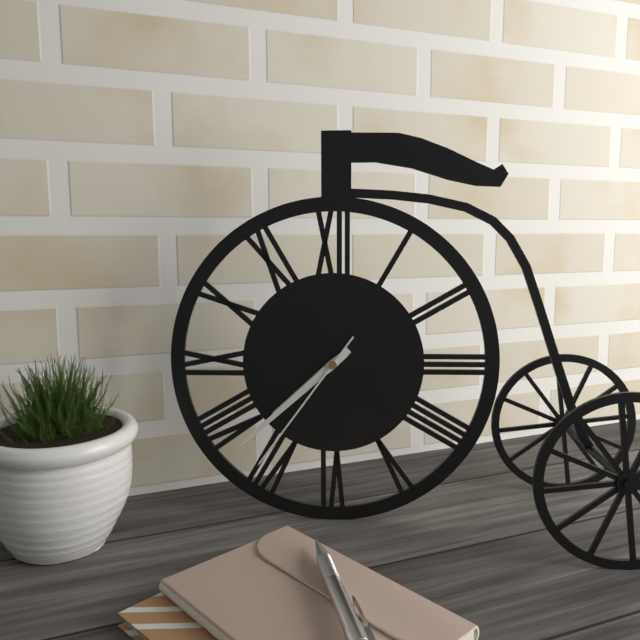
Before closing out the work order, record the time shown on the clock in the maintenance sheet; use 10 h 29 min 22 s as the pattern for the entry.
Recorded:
7 h 38 min 36 s
